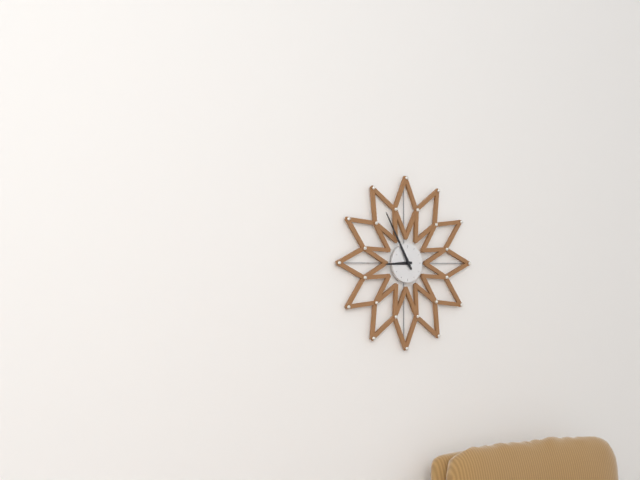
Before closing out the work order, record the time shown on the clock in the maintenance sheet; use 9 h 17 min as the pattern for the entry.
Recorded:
8 h 55 min
